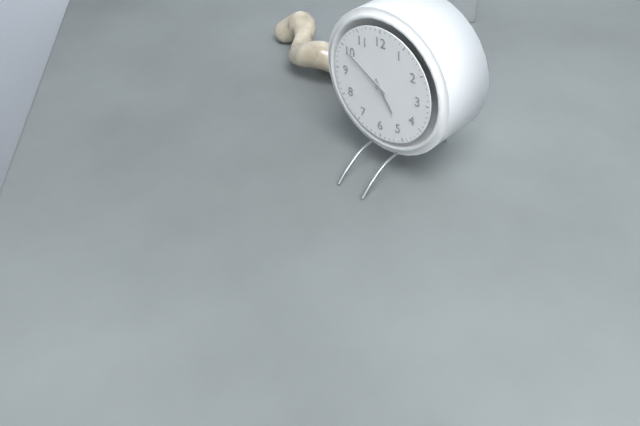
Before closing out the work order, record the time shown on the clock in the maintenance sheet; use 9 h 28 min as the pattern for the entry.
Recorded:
4 h 50 min
